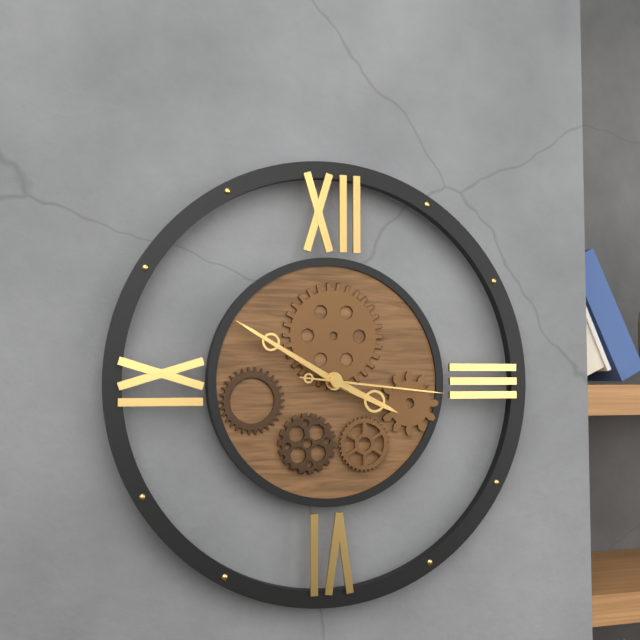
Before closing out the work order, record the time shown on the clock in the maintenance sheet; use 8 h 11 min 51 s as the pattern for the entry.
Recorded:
3 h 50 min 16 s
